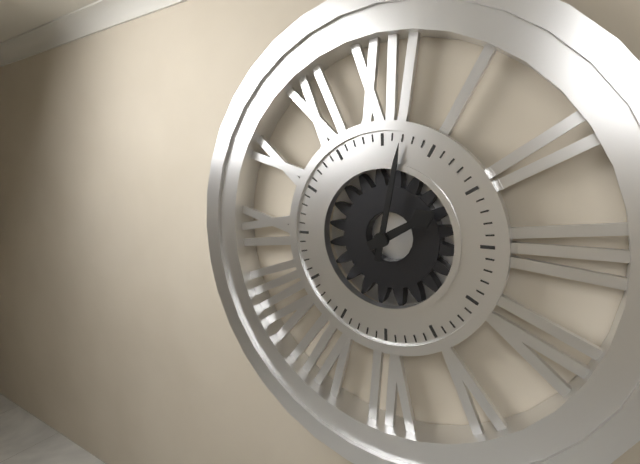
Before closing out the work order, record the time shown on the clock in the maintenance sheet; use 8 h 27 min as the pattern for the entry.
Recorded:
2 h 02 min
